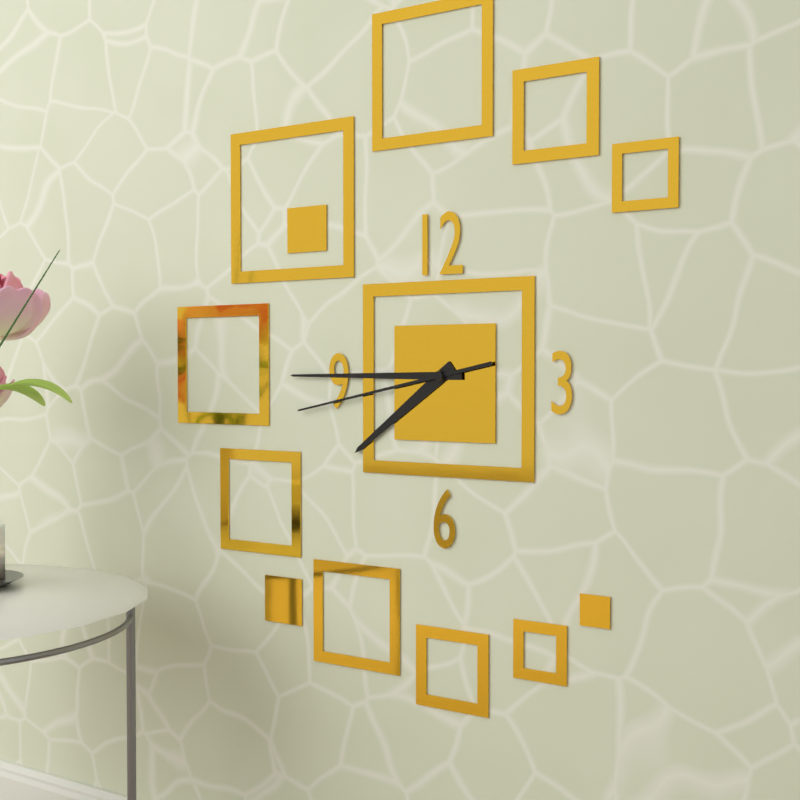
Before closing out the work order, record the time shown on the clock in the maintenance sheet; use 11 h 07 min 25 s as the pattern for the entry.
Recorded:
7 h 45 min 43 s
